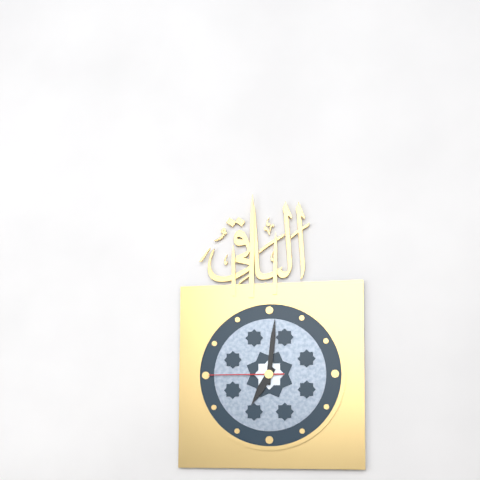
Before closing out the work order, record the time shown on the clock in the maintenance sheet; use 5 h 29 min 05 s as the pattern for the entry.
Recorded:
7 h 01 min 45 s
